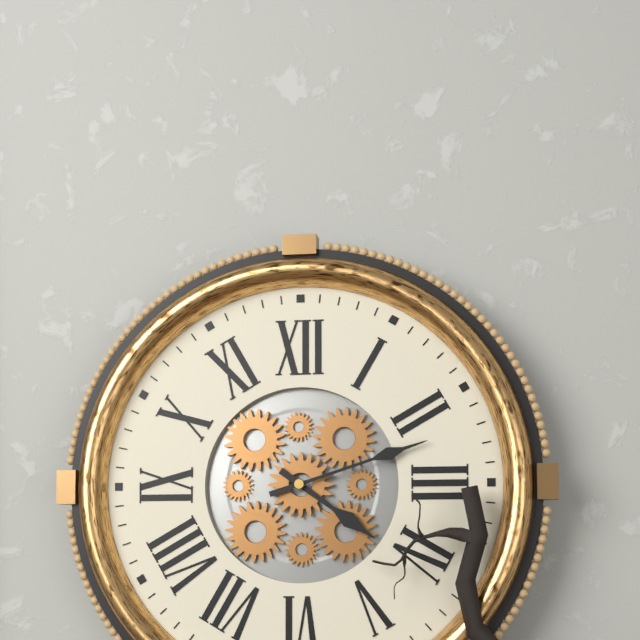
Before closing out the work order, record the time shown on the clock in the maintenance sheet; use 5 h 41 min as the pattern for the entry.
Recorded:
4 h 12 min
